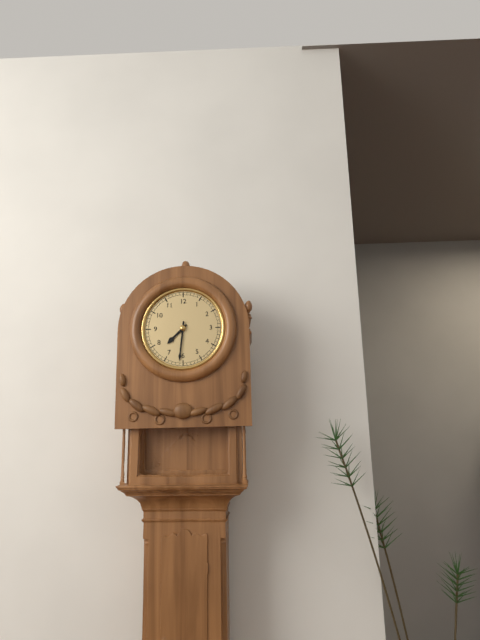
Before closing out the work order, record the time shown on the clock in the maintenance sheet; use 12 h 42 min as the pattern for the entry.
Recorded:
7 h 31 min
